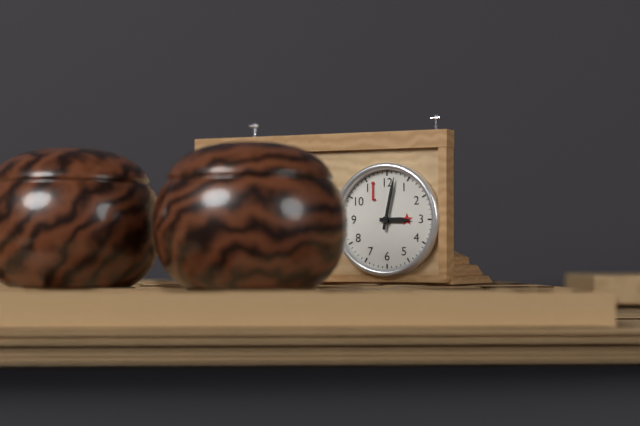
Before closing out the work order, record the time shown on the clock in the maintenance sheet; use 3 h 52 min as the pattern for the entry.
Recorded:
3 h 02 min
